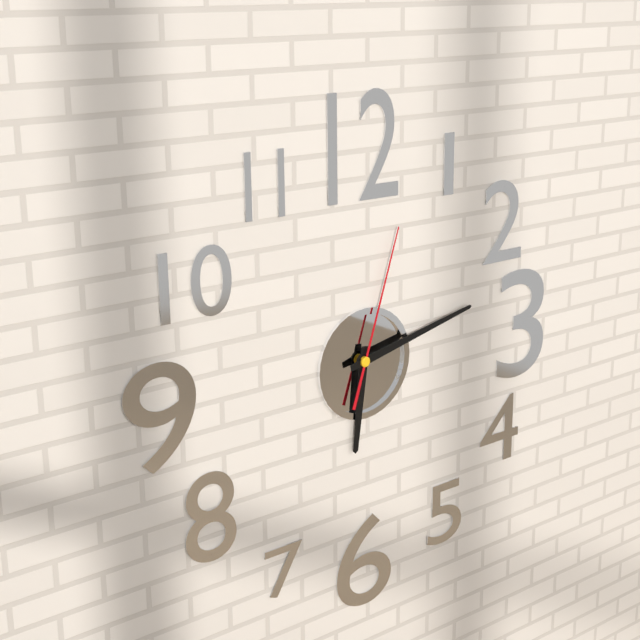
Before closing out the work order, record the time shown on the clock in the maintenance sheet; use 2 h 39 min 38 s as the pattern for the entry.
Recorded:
6 h 13 min 03 s
